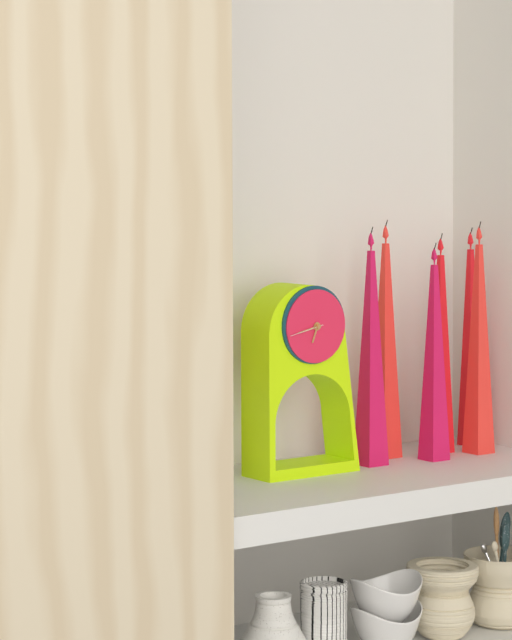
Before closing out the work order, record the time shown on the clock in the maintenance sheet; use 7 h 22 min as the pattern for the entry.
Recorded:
6 h 43 min
